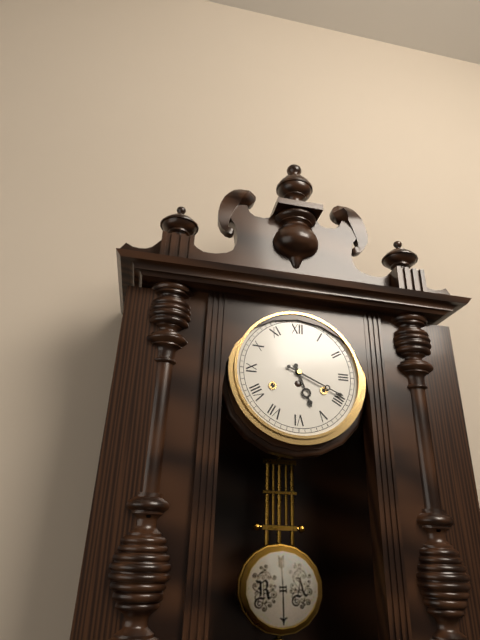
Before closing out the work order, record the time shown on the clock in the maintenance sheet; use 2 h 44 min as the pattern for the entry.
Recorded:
5 h 19 min
